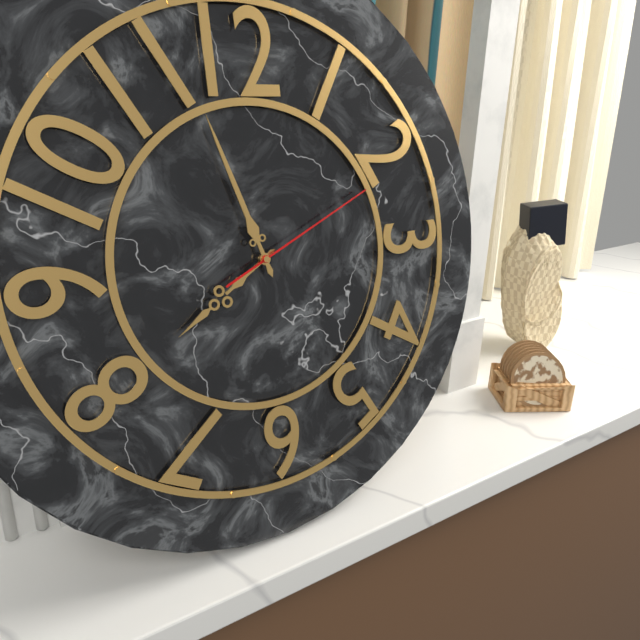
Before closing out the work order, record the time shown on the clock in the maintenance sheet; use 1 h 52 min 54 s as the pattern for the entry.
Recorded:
7 h 57 min 11 s
